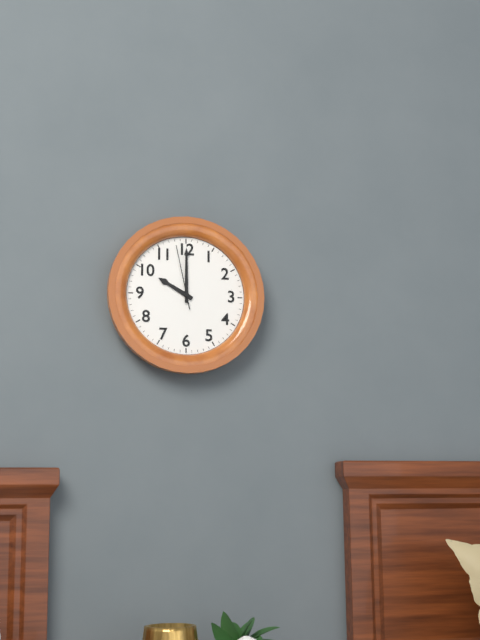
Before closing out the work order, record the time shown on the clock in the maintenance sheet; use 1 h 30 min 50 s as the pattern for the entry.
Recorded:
10 h 00 min 58 s
